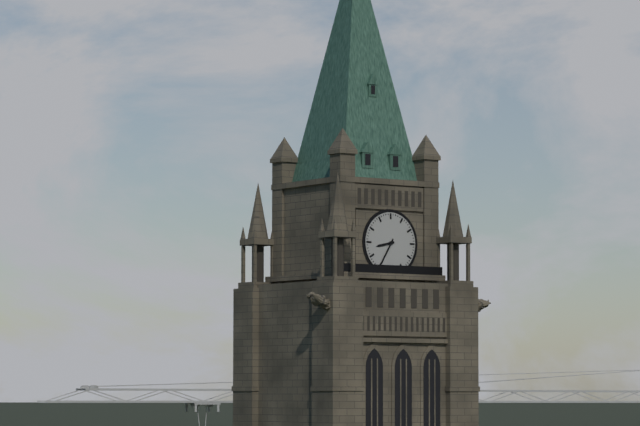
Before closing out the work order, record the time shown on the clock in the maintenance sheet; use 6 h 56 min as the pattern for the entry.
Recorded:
8 h 35 min
